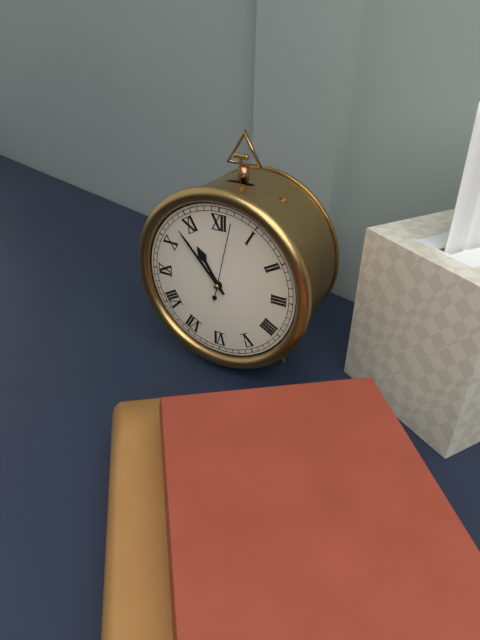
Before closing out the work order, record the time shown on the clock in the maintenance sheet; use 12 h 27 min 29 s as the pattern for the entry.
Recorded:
10 h 53 min 02 s
